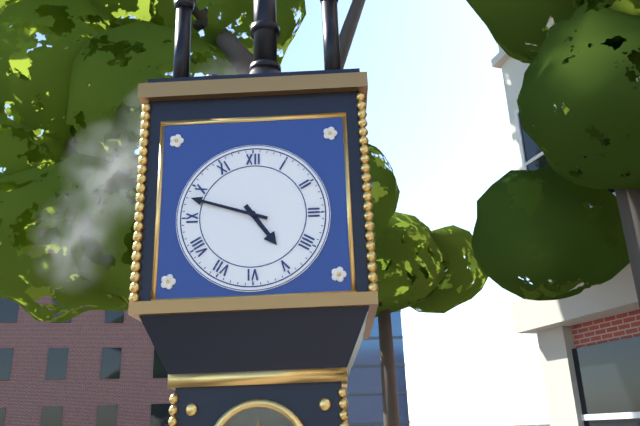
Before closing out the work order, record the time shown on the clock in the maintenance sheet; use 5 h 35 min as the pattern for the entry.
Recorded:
4 h 48 min
